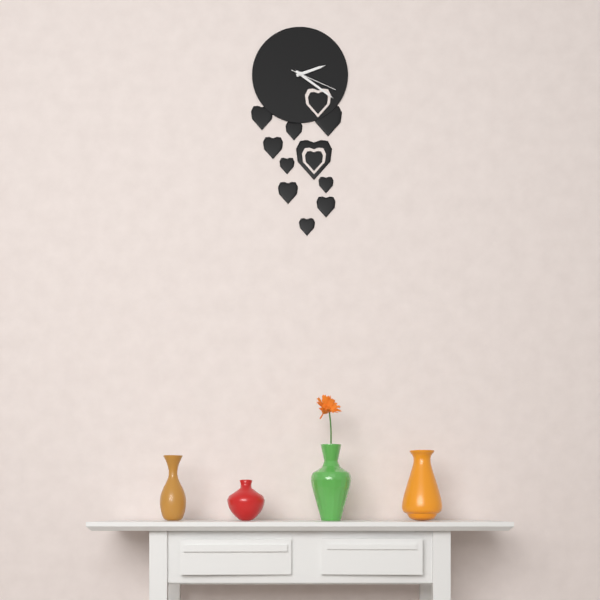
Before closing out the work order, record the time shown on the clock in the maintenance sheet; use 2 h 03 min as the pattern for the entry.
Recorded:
2 h 21 min
